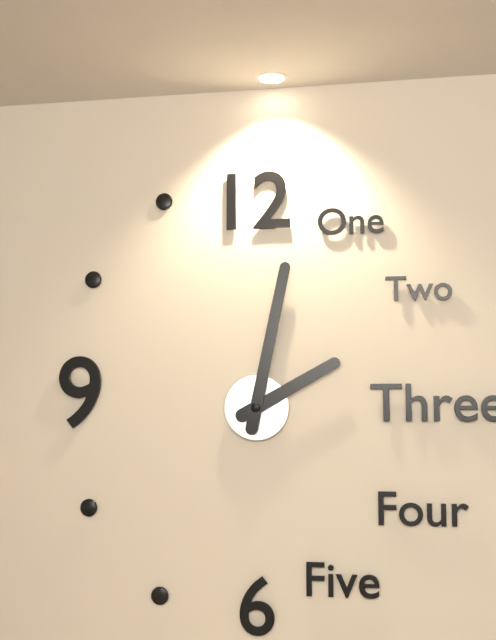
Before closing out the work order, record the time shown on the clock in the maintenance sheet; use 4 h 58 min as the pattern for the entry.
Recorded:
2 h 02 min
